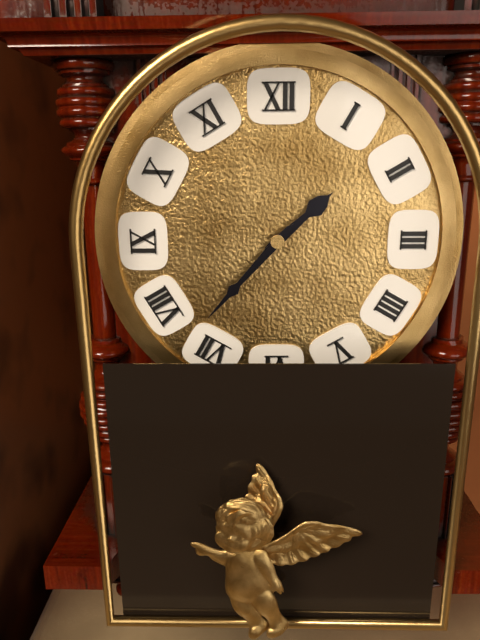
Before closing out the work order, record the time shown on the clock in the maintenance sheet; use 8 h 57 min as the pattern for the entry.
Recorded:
1 h 37 min
